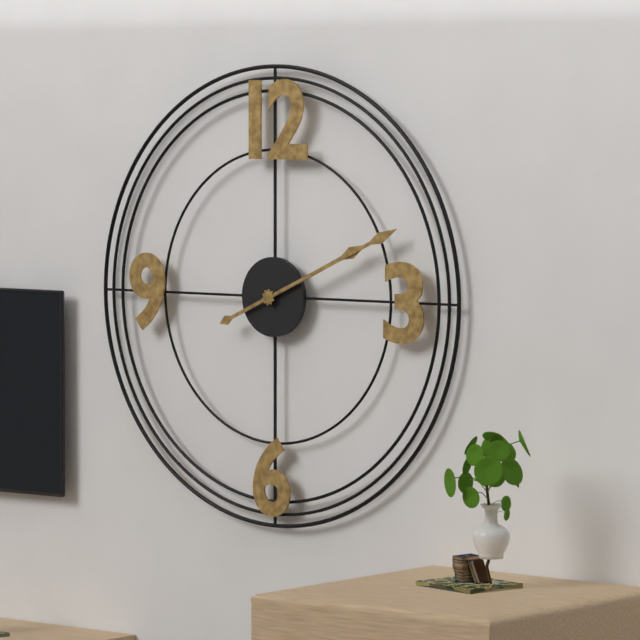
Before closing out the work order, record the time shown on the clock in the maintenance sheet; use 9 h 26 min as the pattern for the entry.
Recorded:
2 h 11 min
